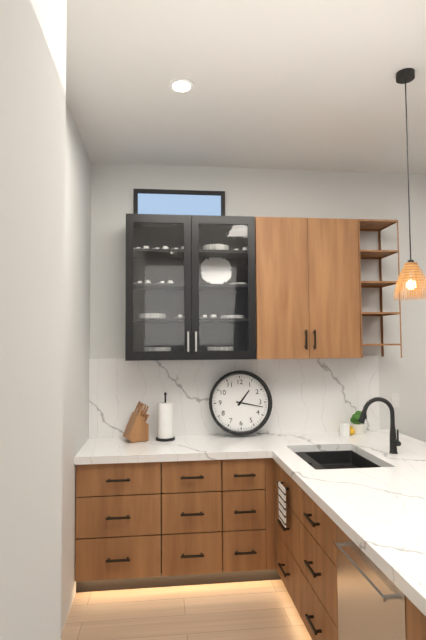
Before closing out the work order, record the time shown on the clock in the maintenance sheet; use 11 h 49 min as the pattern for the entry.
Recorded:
1 h 17 min
